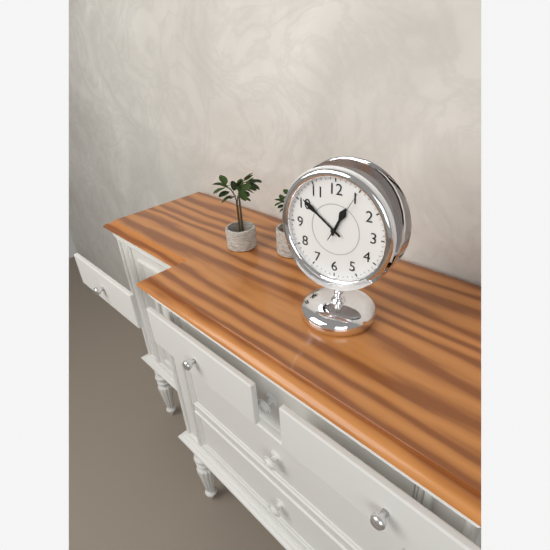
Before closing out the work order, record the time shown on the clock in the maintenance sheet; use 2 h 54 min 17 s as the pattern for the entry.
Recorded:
12 h 51 min 05 s
